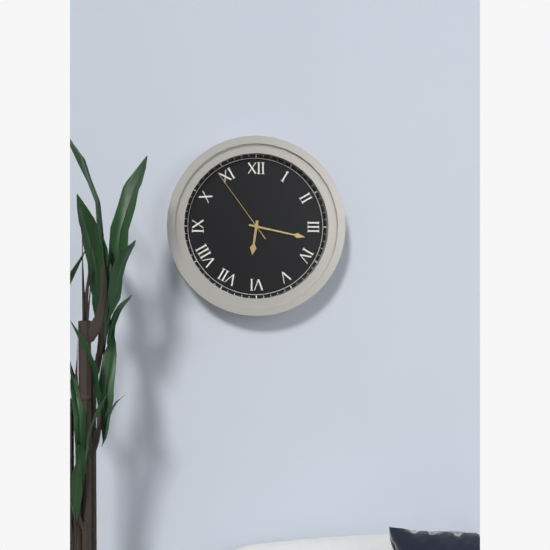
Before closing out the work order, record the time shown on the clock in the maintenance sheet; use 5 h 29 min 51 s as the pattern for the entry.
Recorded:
6 h 17 min 54 s
